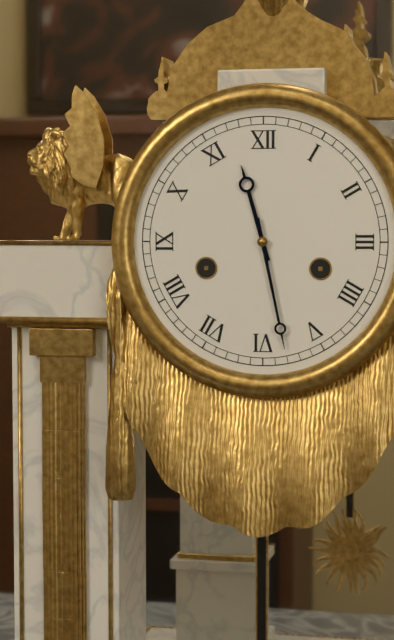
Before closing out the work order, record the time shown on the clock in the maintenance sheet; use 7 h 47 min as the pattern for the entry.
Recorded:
11 h 28 min
